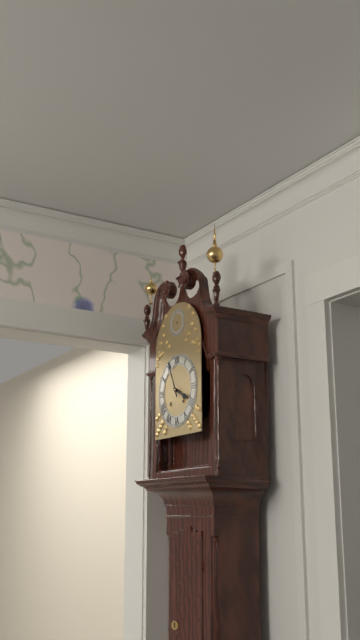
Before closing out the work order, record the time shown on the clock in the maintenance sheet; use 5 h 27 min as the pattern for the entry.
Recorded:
3 h 56 min
